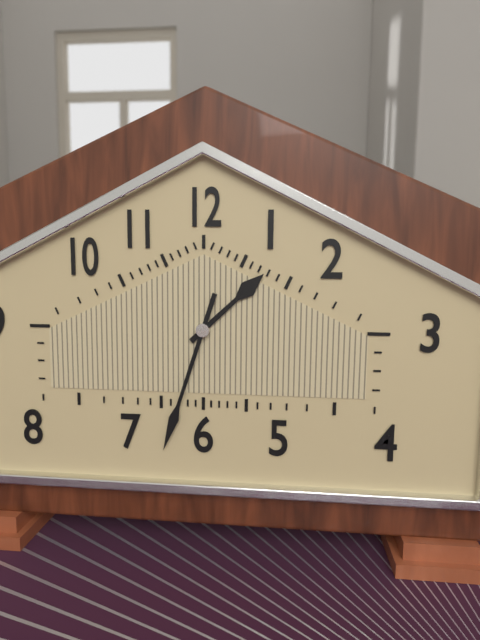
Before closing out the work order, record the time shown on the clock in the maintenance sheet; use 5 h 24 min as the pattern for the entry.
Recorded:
1 h 33 min
